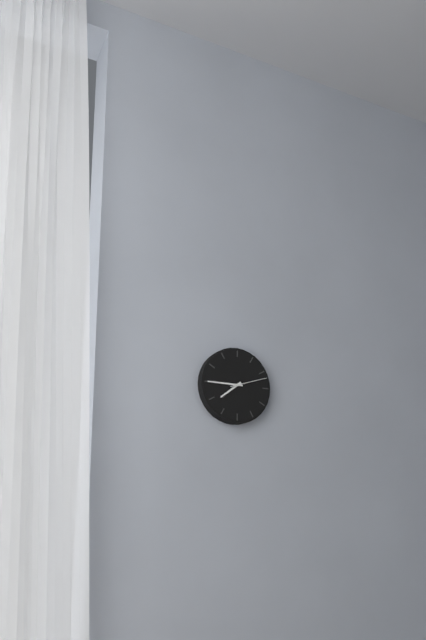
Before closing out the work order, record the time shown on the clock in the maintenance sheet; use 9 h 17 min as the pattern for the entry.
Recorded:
7 h 45 min
